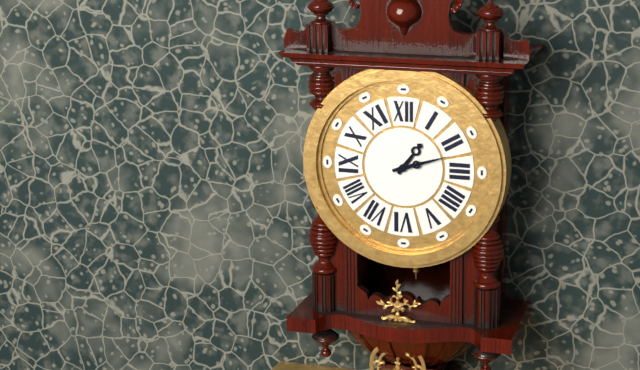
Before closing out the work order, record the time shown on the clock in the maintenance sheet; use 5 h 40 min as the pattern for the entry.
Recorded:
1 h 12 min
